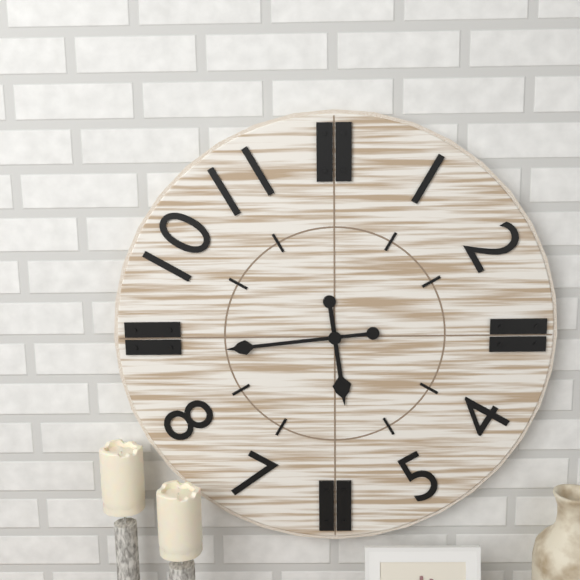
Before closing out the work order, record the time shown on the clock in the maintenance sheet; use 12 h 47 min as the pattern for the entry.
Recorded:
5 h 44 min
